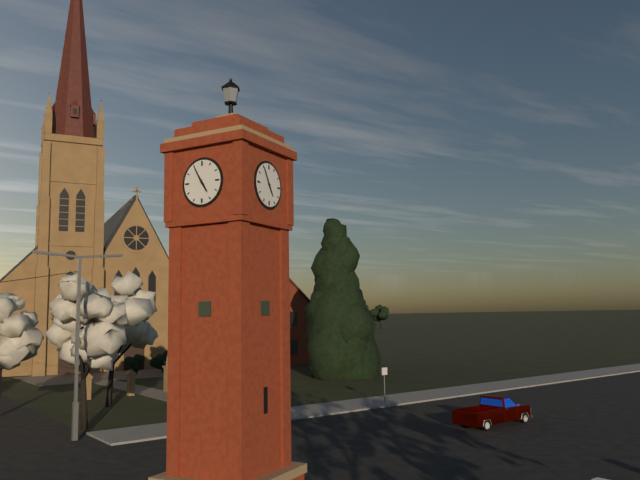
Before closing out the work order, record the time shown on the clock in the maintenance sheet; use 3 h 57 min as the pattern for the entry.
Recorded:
4 h 55 min
